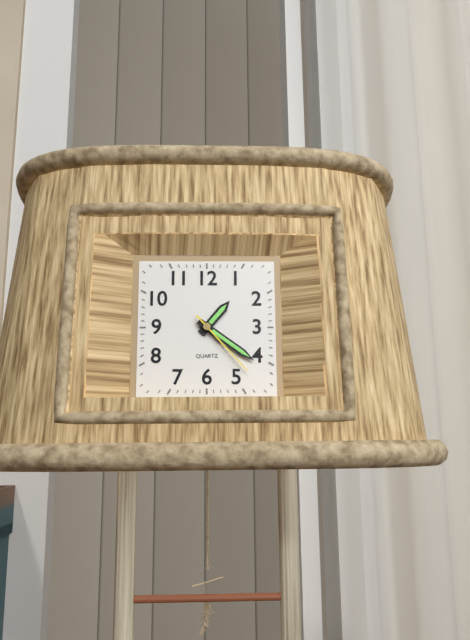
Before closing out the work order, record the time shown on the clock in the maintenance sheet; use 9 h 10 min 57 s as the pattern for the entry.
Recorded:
1 h 21 min 23 s
